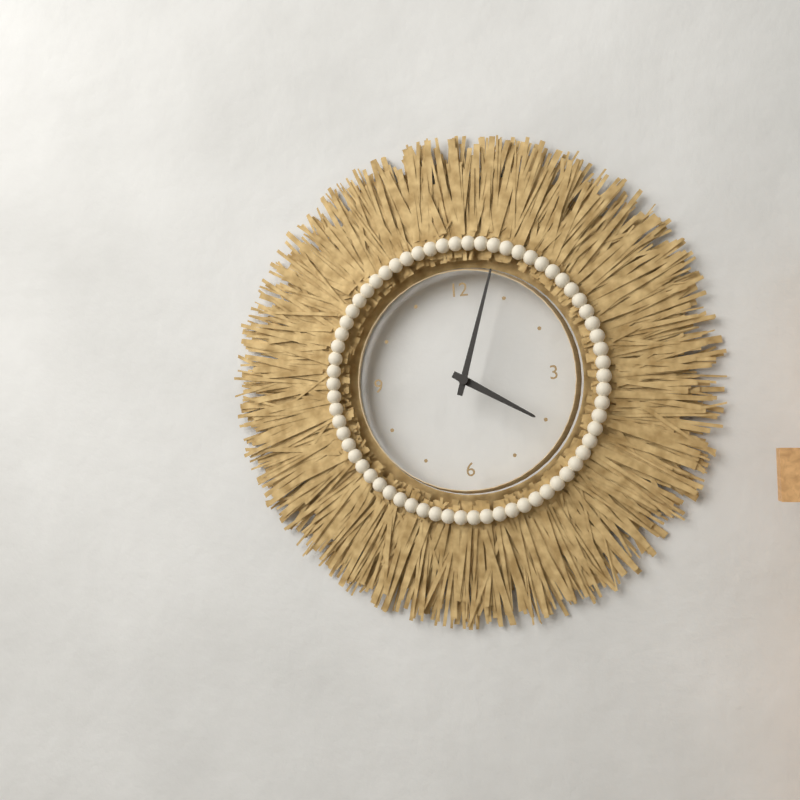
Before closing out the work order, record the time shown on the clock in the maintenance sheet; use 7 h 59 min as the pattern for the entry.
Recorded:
4 h 03 min
